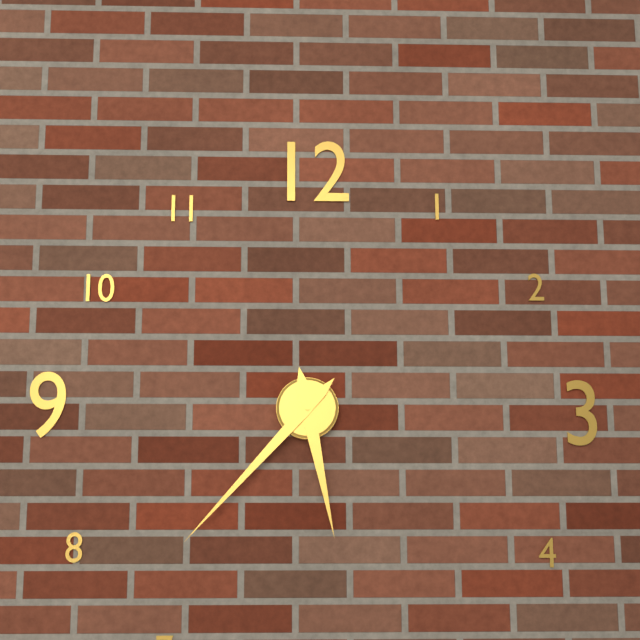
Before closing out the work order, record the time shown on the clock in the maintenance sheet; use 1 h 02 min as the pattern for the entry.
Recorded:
5 h 37 min
